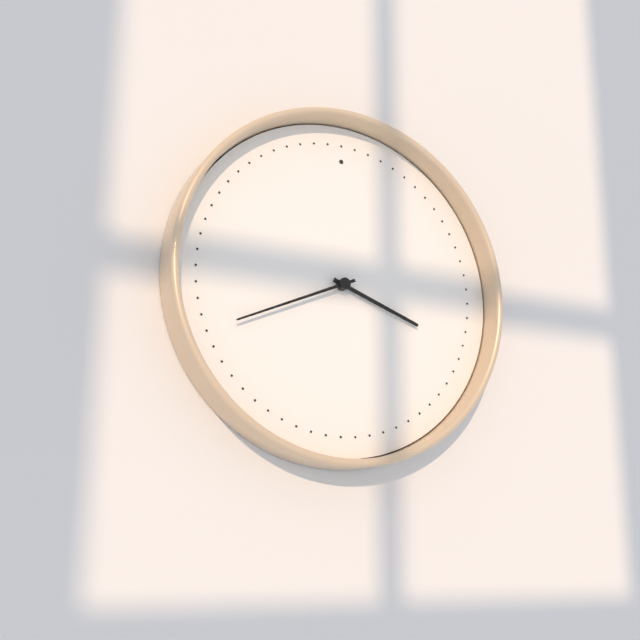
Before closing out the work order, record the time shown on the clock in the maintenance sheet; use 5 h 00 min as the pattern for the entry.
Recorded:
3 h 41 min
